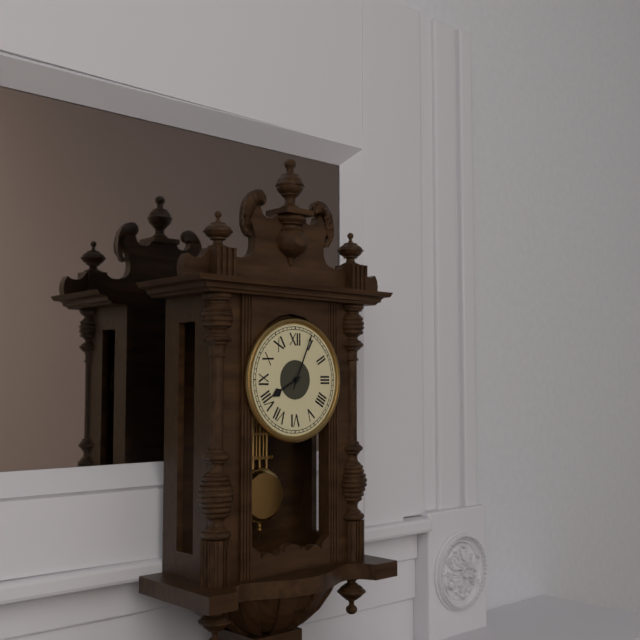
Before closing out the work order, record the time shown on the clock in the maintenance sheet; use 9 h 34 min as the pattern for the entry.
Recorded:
8 h 04 min
